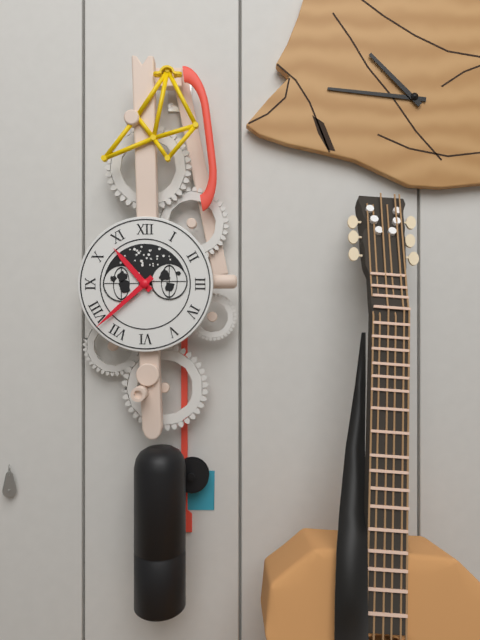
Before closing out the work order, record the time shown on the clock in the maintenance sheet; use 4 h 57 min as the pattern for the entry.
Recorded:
10 h 38 min
